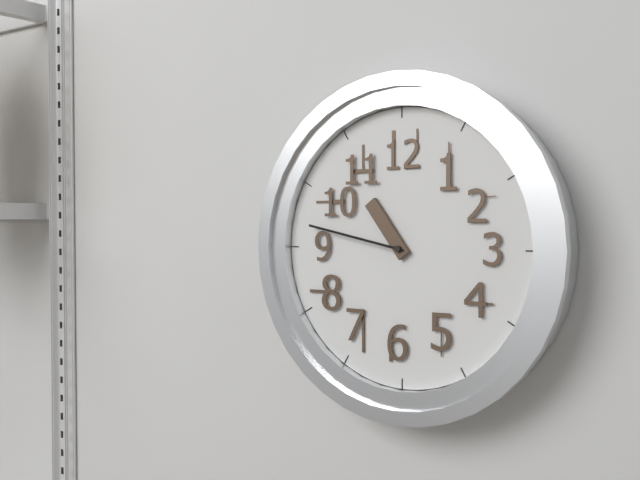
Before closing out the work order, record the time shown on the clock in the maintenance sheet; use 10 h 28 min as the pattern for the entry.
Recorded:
10 h 47 min
